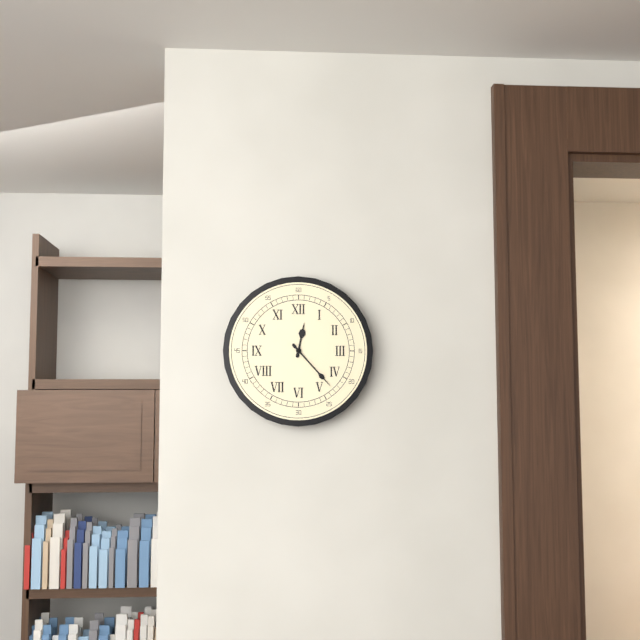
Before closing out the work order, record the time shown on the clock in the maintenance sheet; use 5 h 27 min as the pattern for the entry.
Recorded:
12 h 23 min
